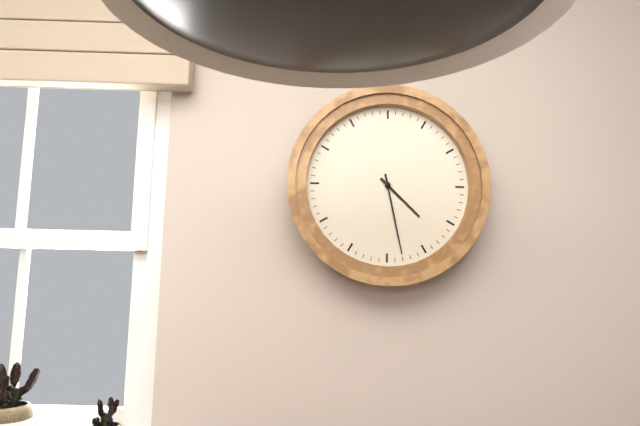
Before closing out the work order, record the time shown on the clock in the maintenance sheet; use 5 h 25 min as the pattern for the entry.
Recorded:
4 h 28 min
